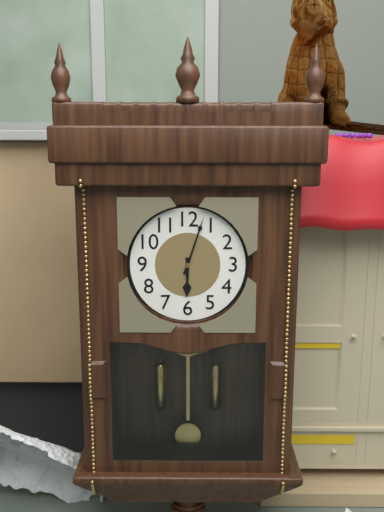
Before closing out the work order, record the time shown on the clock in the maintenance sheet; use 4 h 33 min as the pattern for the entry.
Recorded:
6 h 03 min
